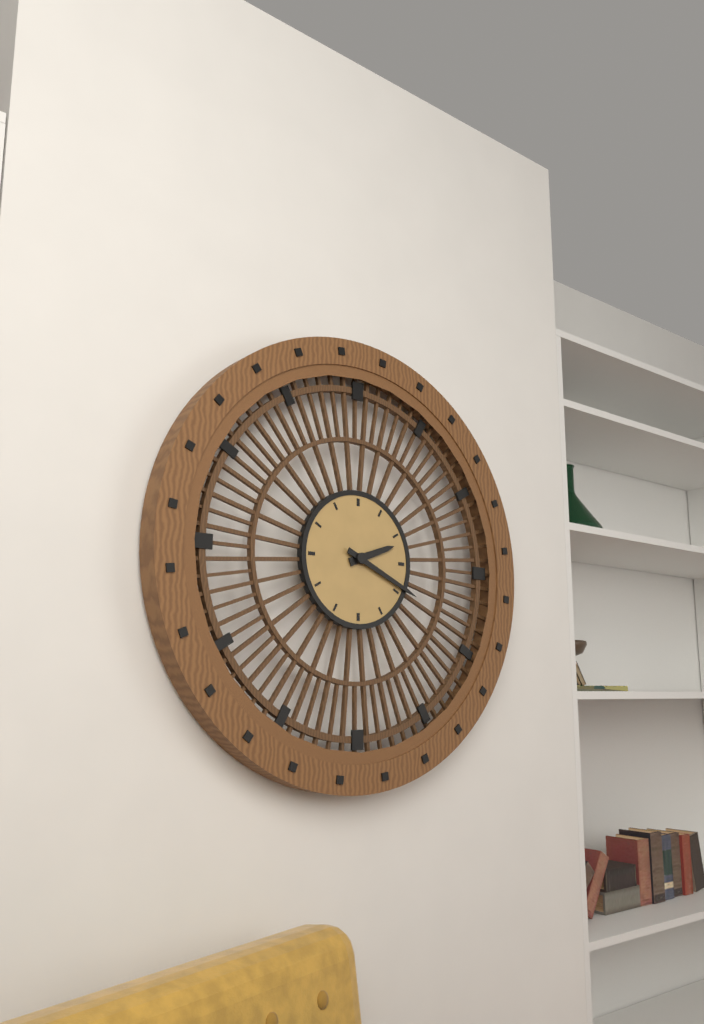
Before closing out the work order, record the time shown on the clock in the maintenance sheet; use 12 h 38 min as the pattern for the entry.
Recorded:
2 h 19 min
